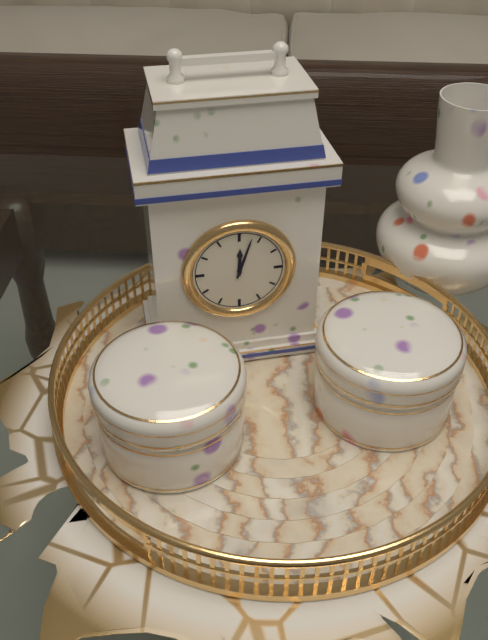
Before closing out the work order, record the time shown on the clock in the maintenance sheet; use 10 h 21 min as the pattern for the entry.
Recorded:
12 h 03 min
